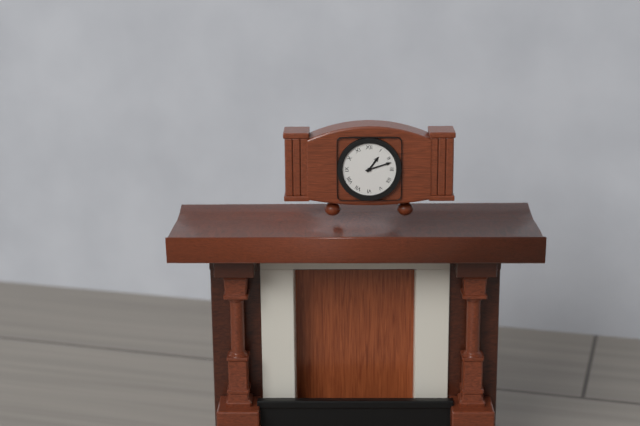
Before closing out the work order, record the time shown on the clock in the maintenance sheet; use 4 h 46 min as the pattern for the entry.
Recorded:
1 h 12 min
